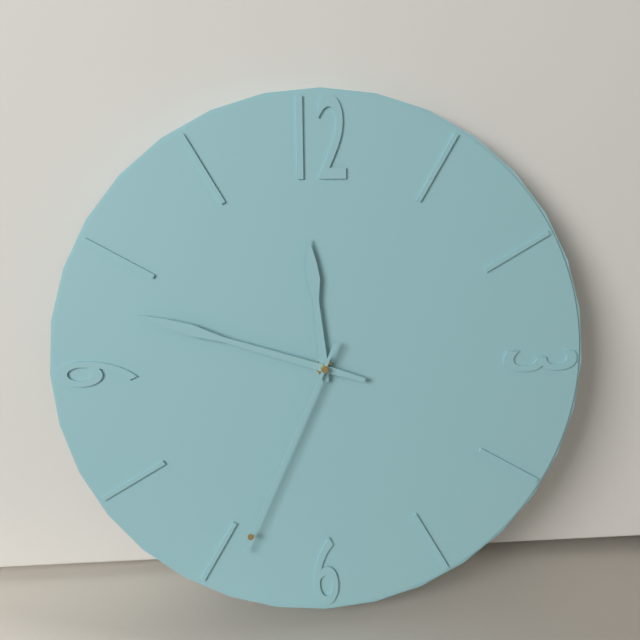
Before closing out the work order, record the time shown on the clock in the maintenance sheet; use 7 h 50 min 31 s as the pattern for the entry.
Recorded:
11 h 48 min 34 s
